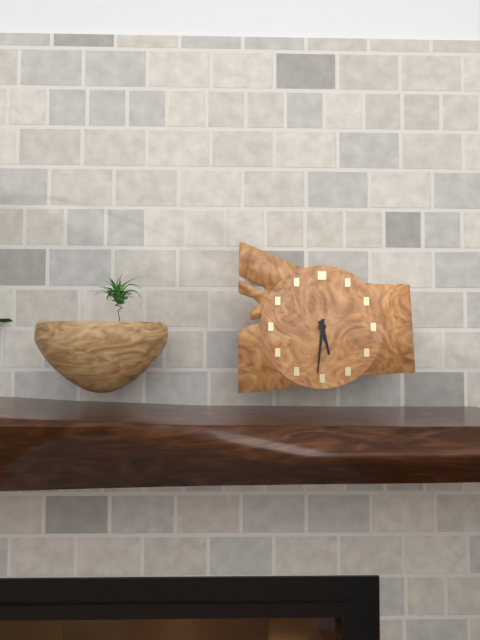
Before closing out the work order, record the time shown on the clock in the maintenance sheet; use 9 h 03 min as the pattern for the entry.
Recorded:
5 h 31 min
